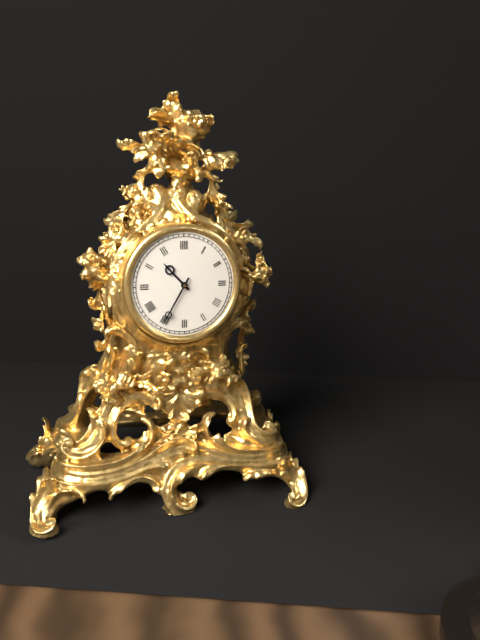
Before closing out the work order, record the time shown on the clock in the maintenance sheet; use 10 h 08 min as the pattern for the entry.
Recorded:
10 h 35 min
